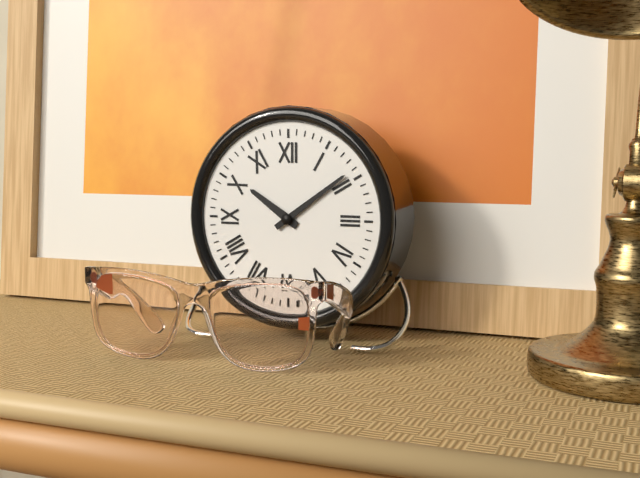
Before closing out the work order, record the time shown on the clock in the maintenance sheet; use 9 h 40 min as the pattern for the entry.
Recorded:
10 h 09 min
